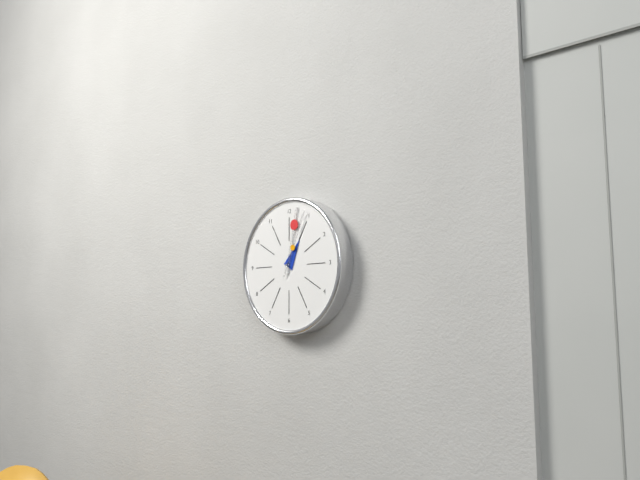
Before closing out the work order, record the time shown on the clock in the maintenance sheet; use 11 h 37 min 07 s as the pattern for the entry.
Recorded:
1 h 02 min 04 s
